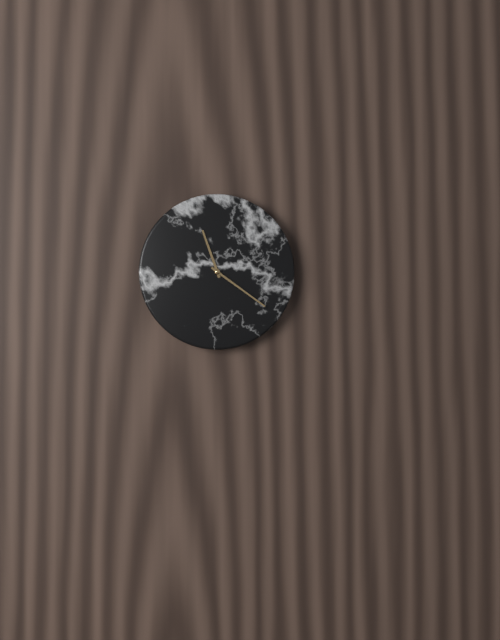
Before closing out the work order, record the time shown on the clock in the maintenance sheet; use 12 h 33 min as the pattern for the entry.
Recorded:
11 h 21 min
